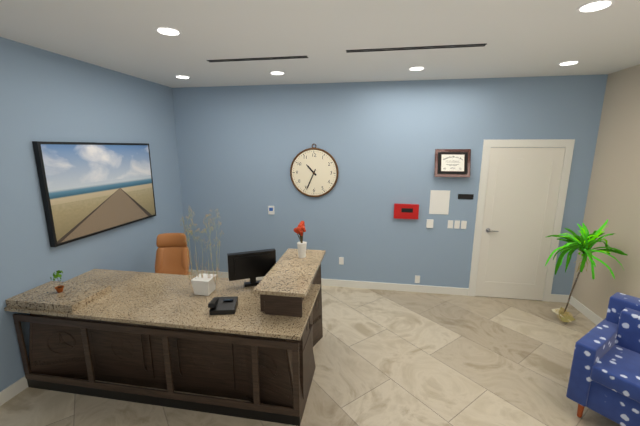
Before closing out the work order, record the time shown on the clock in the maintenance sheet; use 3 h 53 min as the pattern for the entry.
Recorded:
10 h 34 min
